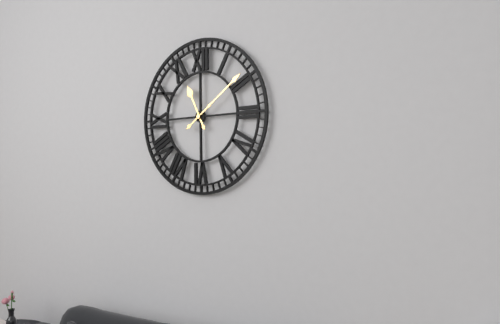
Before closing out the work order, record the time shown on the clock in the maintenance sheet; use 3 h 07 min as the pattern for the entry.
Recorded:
11 h 09 min
